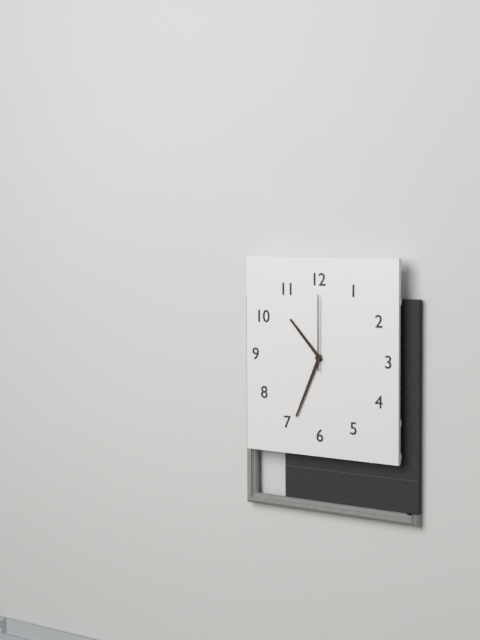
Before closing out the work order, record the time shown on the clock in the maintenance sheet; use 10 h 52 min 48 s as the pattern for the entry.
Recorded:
10 h 34 min 00 s
